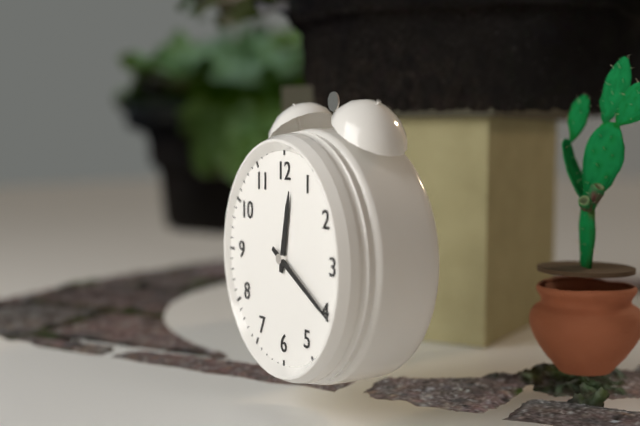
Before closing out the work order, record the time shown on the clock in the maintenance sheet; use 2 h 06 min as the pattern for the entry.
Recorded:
12 h 20 min
